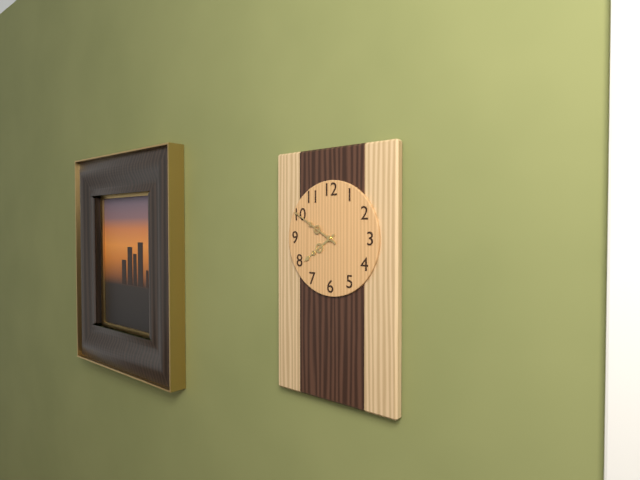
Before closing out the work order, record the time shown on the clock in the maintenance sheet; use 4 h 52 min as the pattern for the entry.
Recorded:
7 h 50 min
